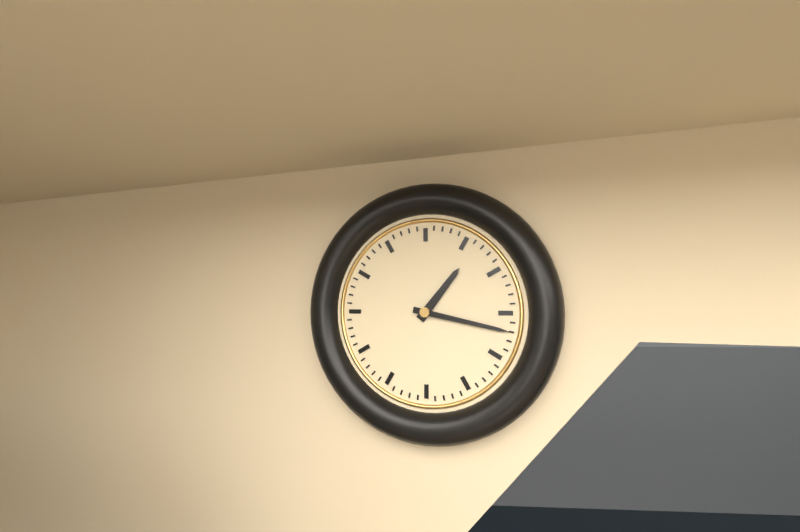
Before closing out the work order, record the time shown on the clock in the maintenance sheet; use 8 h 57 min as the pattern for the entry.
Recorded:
1 h 17 min
